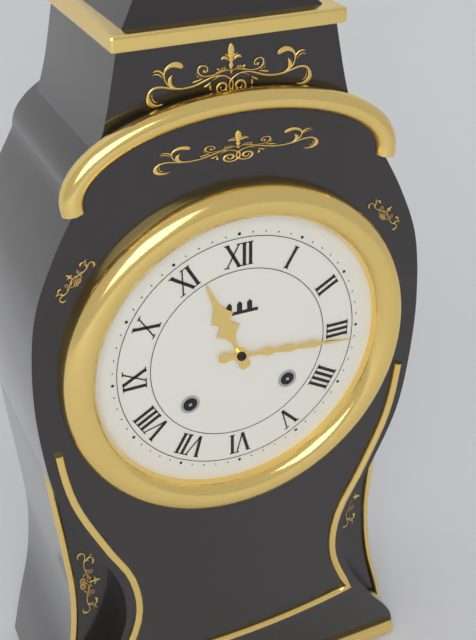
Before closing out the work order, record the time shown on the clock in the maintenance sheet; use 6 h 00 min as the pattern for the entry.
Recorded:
11 h 16 min
